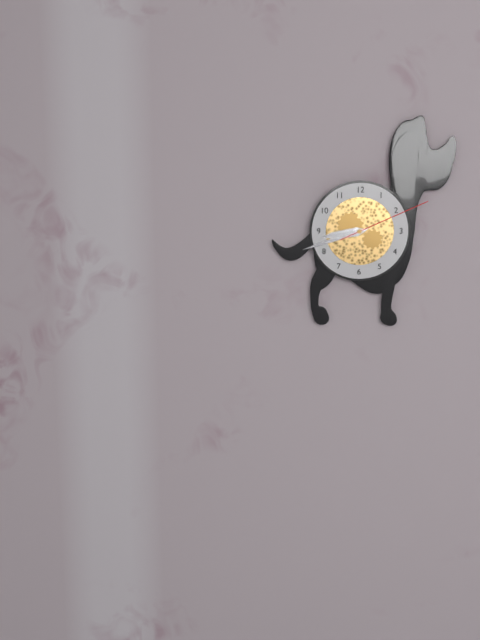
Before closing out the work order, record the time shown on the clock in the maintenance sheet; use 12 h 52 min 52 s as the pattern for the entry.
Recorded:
8 h 42 min 11 s
